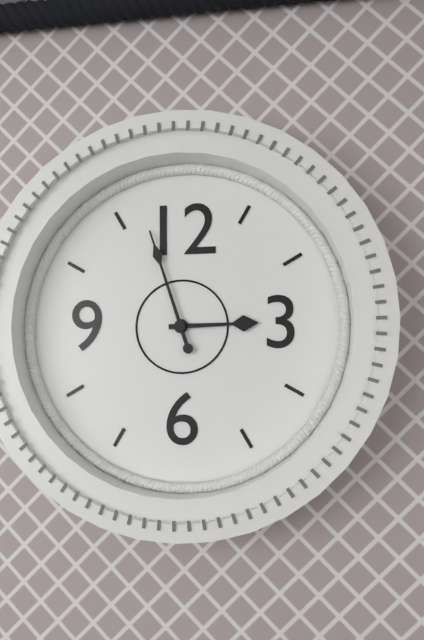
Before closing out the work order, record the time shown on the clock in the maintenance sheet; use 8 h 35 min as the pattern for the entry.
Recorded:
2 h 57 min
